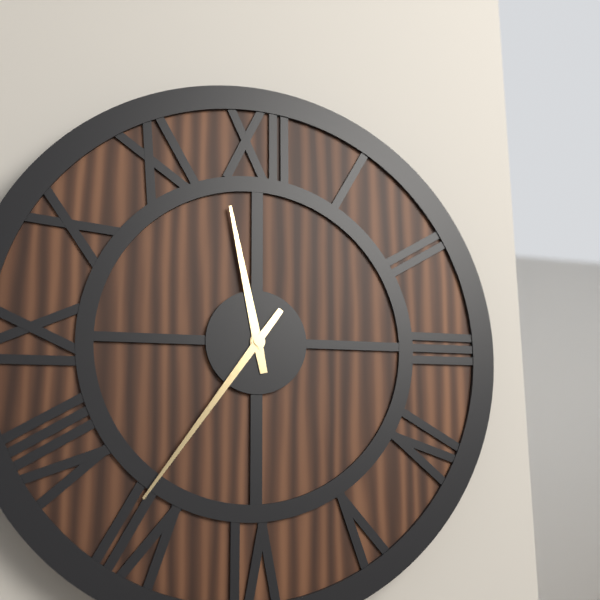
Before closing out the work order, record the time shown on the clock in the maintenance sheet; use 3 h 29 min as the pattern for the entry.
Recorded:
11 h 36 min
